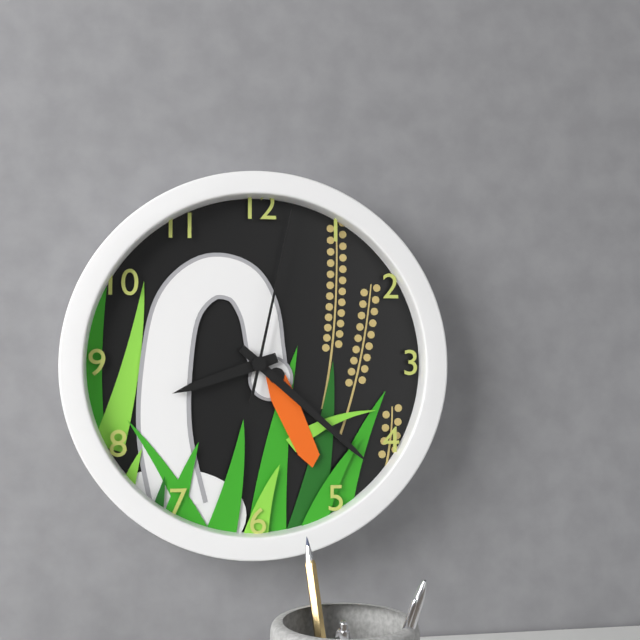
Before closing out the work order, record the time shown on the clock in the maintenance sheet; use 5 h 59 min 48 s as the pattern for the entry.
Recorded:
8 h 22 min 02 s
